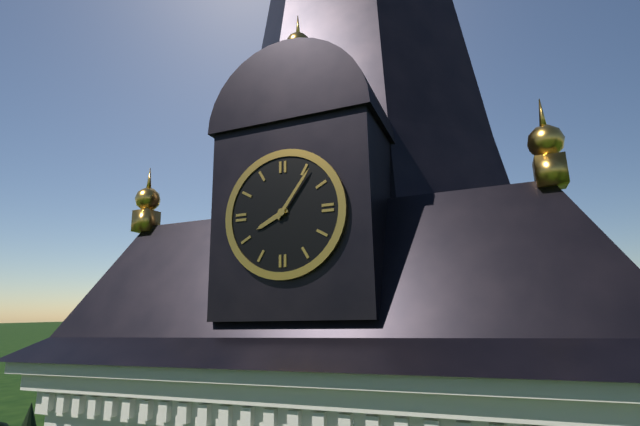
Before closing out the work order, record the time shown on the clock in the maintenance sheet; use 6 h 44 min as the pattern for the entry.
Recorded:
8 h 06 min
